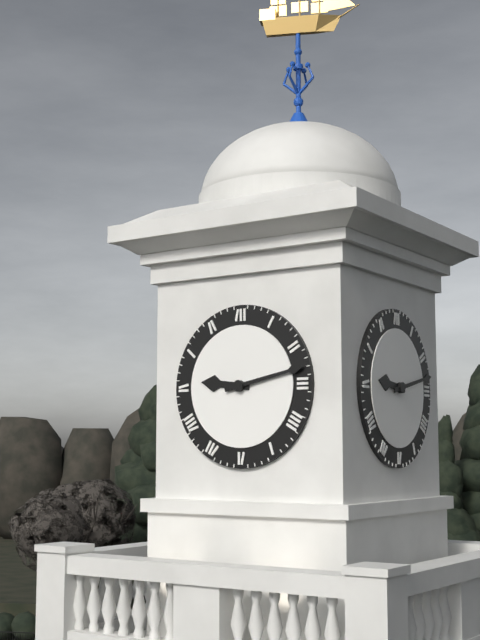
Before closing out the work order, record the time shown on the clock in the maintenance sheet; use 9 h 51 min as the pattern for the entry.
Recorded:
9 h 13 min
